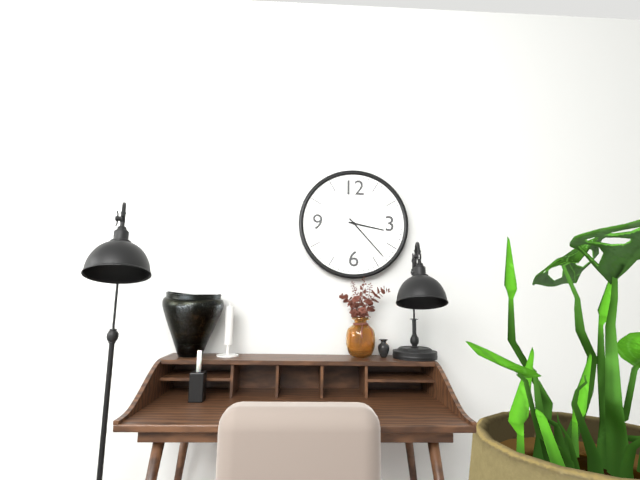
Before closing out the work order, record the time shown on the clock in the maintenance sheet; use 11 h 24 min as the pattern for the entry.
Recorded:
3 h 23 min
